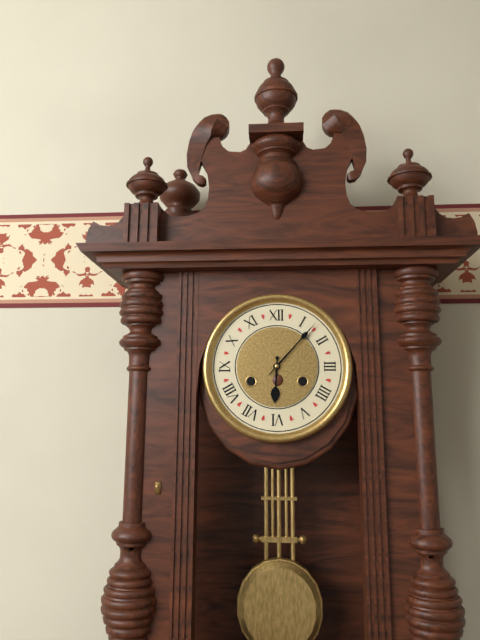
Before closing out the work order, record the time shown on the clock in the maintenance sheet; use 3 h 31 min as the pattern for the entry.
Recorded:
6 h 07 min
